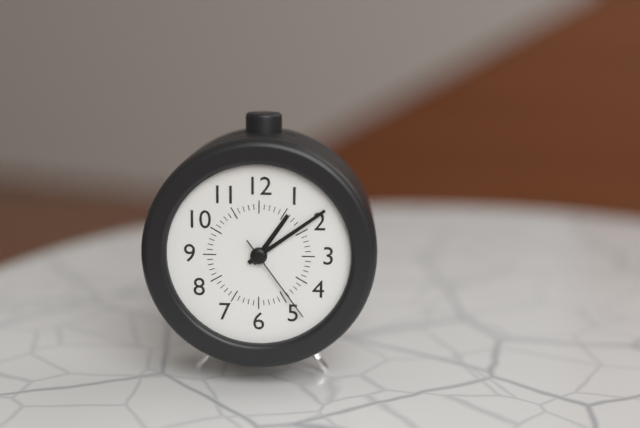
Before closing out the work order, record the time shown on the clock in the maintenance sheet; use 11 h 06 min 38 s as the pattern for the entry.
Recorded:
1 h 09 min 24 s
